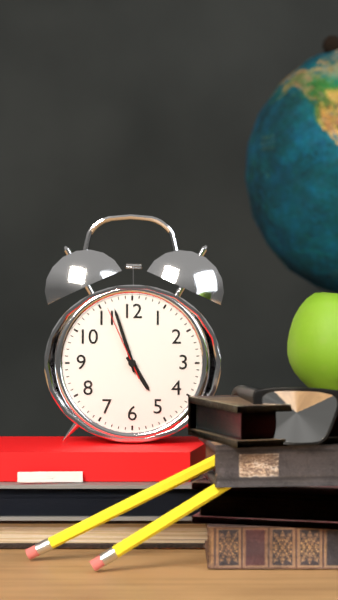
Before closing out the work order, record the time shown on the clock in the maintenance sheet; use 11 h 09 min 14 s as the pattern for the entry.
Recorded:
4 h 57 min 56 s
